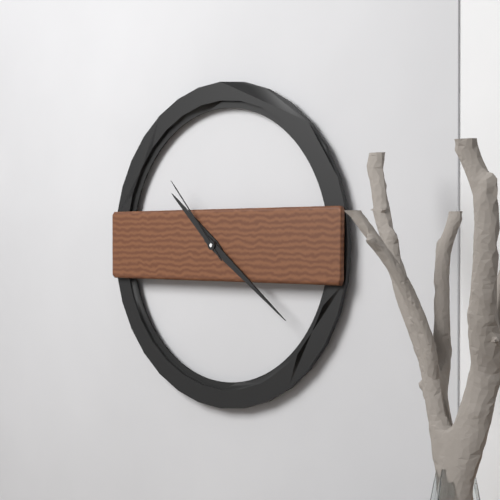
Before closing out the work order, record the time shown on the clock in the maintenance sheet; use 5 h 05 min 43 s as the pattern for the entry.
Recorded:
10 h 21 min 53 s
